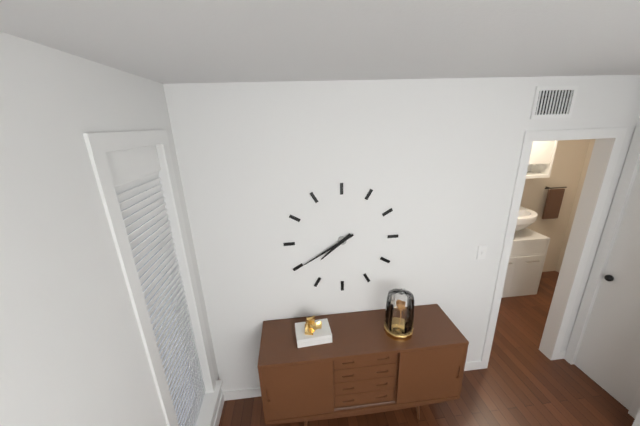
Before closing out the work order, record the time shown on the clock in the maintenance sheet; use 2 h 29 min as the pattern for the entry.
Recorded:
7 h 40 min
